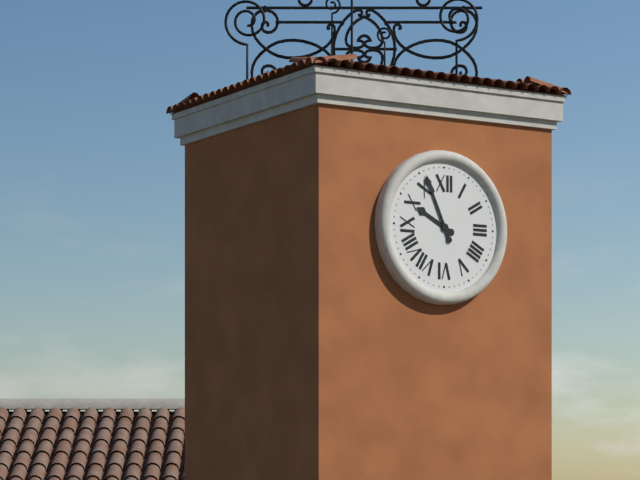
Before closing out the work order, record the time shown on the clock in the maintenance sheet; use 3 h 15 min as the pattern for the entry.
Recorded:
9 h 56 min
